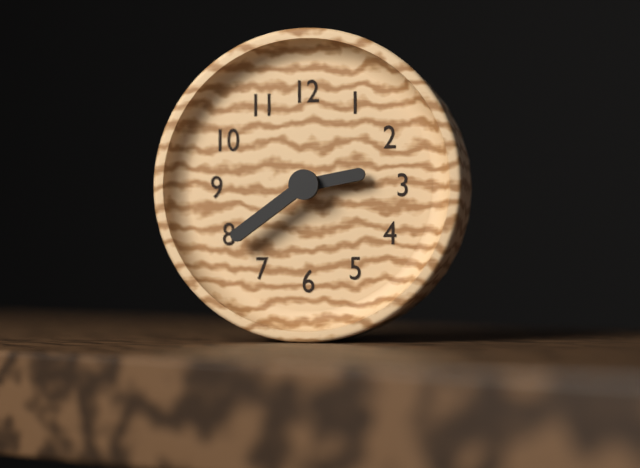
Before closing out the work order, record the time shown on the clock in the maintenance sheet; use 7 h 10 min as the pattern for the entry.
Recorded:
2 h 39 min
